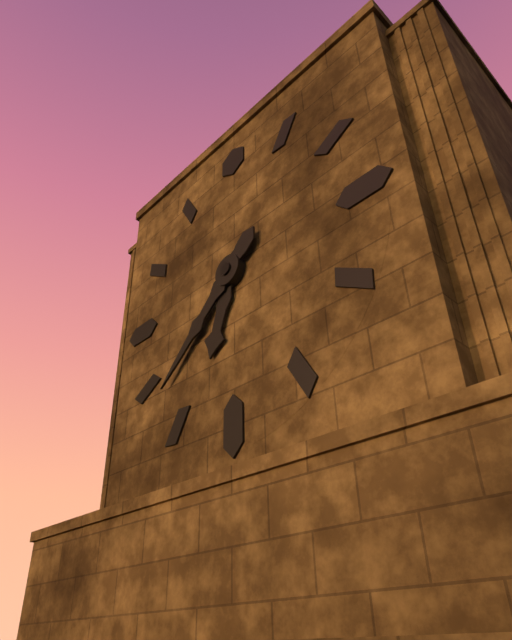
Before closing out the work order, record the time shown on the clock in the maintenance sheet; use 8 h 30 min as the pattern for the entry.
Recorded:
6 h 38 min
